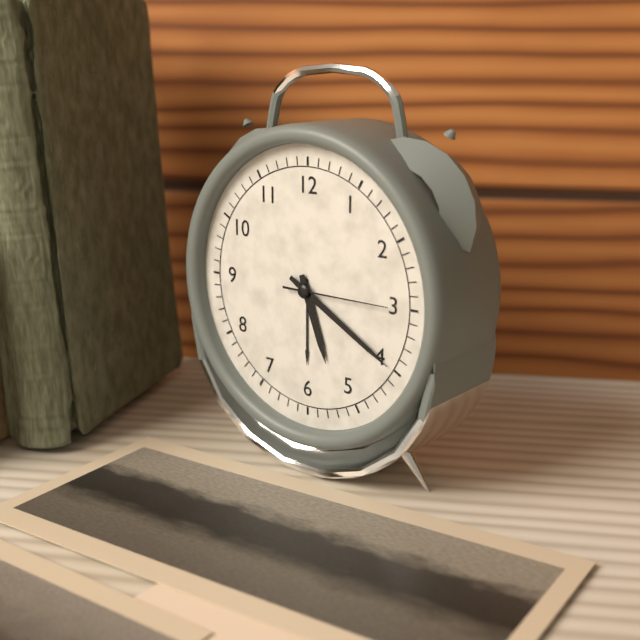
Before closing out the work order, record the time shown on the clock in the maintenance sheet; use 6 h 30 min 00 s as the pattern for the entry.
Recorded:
5 h 20 min 15 s
